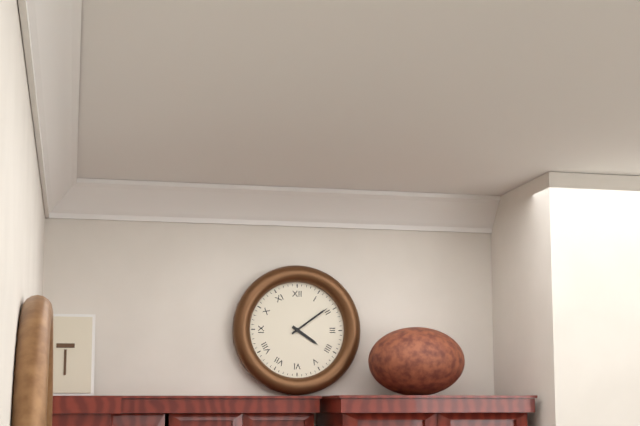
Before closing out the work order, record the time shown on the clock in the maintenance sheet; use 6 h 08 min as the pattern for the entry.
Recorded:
4 h 09 min
